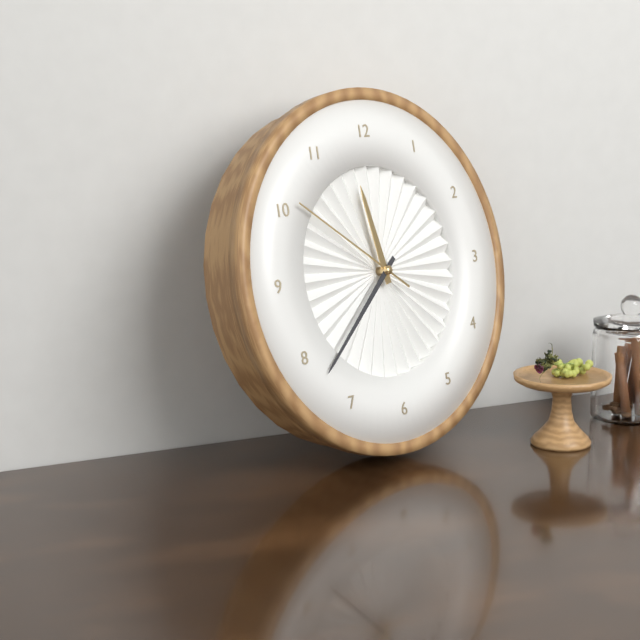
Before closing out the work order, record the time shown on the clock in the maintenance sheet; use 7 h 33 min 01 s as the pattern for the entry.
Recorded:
11 h 38 min 51 s
